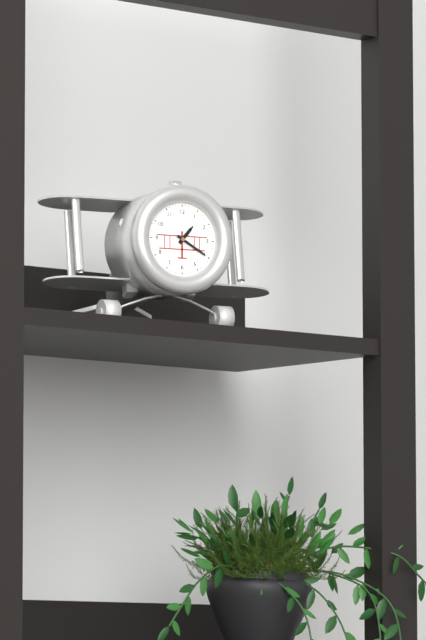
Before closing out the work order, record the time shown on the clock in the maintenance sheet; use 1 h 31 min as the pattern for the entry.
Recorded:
1 h 20 min
